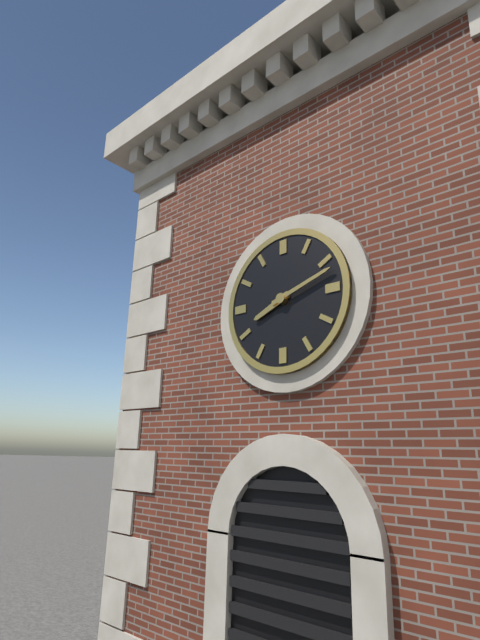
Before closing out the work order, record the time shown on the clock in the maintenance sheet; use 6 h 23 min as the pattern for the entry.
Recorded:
8 h 12 min
